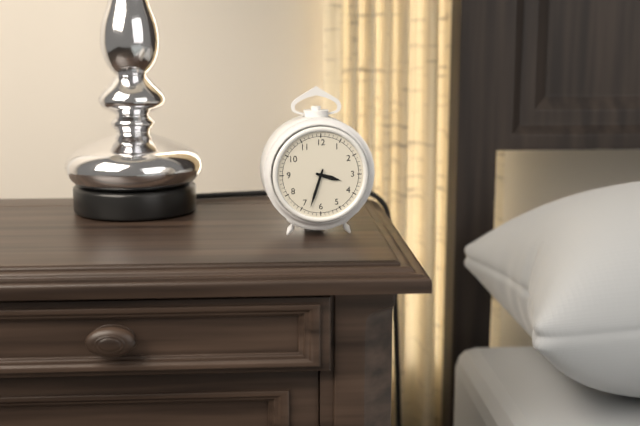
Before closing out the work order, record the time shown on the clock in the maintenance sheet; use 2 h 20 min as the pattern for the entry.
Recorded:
3 h 33 min
